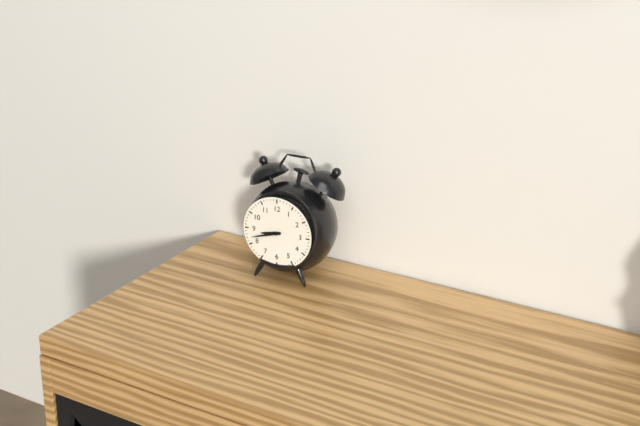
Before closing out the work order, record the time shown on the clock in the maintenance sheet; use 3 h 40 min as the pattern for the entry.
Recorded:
8 h 42 min
